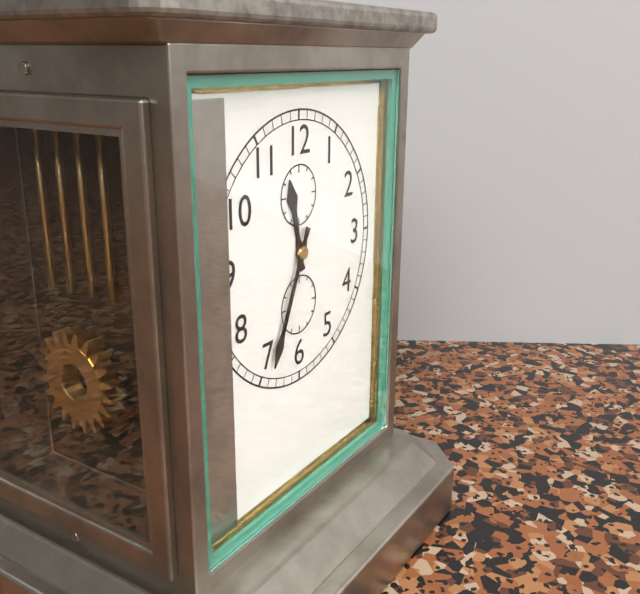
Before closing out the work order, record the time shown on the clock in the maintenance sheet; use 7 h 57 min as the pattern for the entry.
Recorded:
11 h 34 min
